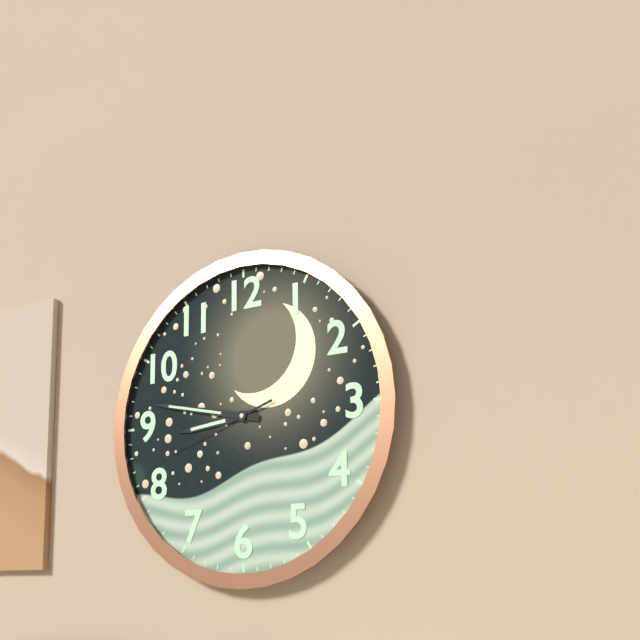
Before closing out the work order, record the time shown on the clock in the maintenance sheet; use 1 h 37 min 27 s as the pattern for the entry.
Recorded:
8 h 47 min 42 s
